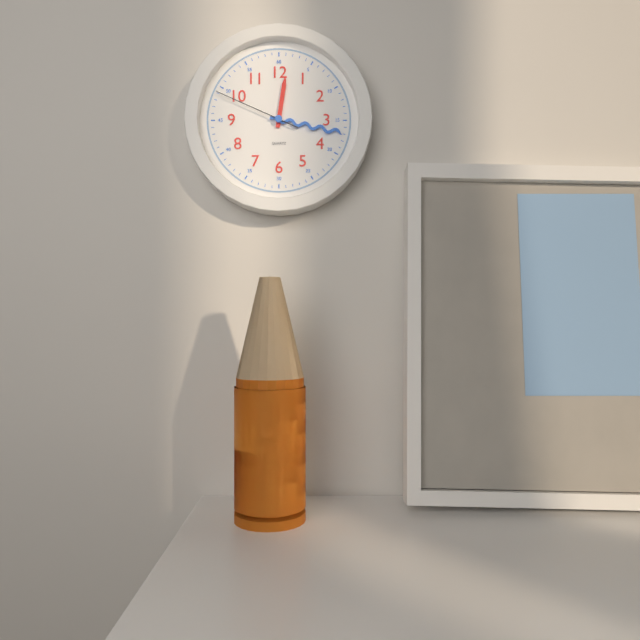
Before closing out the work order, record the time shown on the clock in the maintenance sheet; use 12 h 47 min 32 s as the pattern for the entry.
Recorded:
12 h 17 min 49 s
